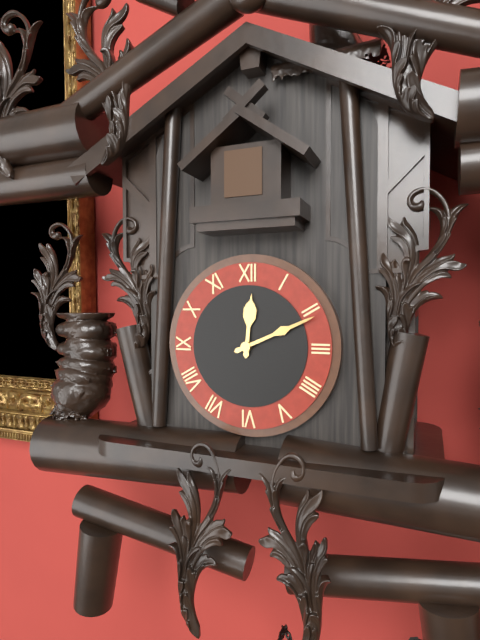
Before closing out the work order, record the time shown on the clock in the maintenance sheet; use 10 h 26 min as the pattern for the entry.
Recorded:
12 h 11 min
